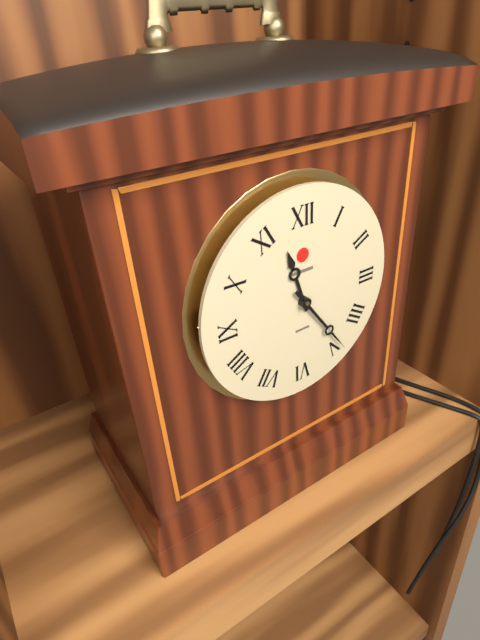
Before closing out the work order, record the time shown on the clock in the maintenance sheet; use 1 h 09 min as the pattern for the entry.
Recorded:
11 h 24 min
